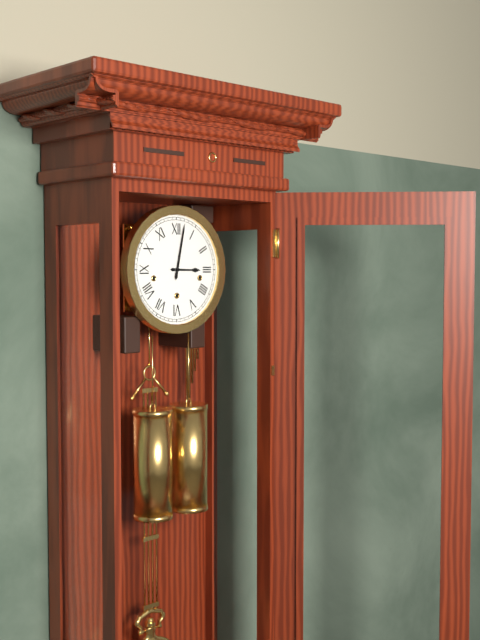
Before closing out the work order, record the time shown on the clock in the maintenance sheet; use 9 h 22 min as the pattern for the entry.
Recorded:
3 h 02 min
